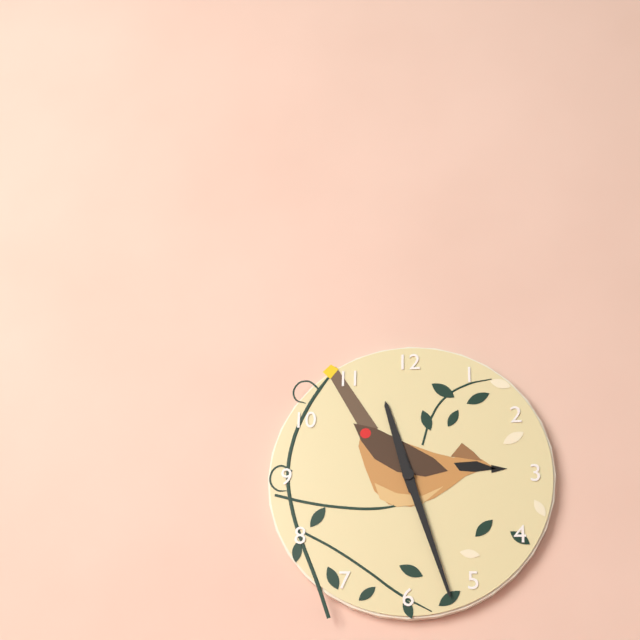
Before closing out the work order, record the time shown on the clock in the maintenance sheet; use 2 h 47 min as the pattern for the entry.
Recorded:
11 h 27 min
